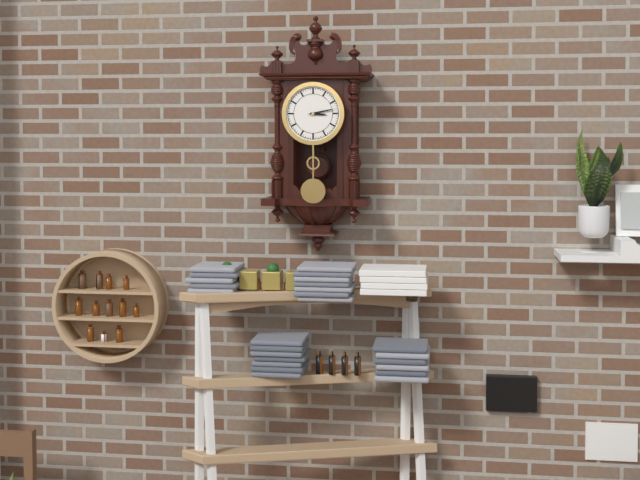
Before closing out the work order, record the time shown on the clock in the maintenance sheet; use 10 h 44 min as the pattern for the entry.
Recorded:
3 h 13 min
